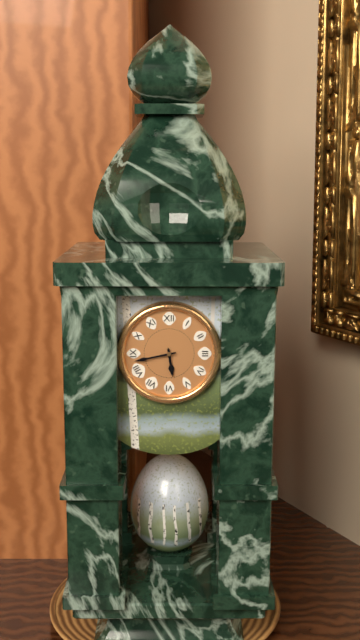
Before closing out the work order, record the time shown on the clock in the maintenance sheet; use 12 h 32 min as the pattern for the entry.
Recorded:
5 h 43 min
